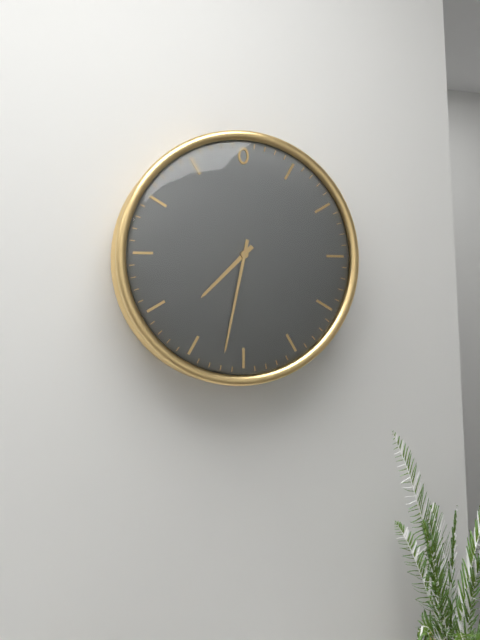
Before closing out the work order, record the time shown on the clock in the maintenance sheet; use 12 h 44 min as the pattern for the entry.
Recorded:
7 h 32 min
